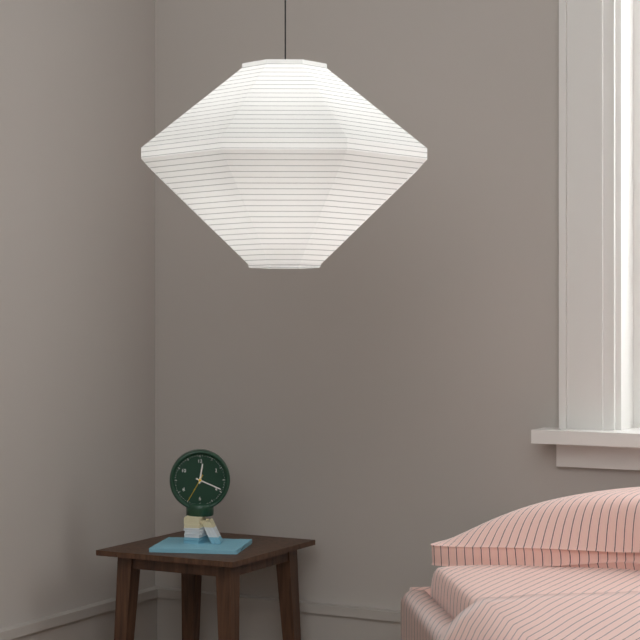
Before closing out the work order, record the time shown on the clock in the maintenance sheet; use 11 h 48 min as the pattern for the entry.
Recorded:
12 h 19 min
